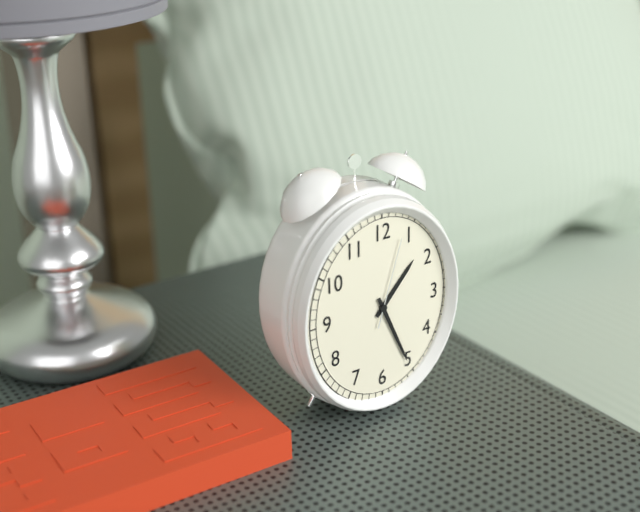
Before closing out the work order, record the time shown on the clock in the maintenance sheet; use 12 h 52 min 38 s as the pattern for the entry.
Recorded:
1 h 26 min 03 s
